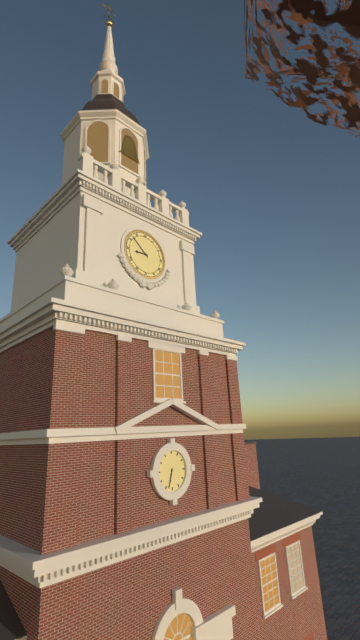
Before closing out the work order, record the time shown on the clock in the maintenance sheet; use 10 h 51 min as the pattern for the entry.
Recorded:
8 h 52 min
